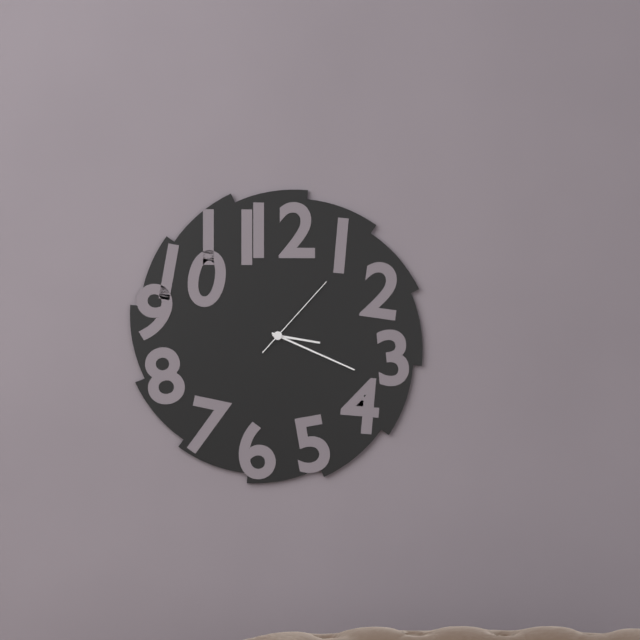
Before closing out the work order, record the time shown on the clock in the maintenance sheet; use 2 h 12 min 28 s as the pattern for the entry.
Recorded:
3 h 19 min 07 s
